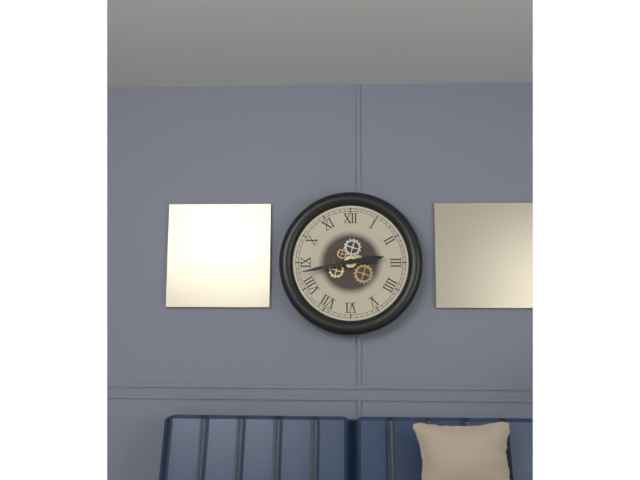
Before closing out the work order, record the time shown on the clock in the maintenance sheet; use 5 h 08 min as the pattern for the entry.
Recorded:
2 h 43 min
